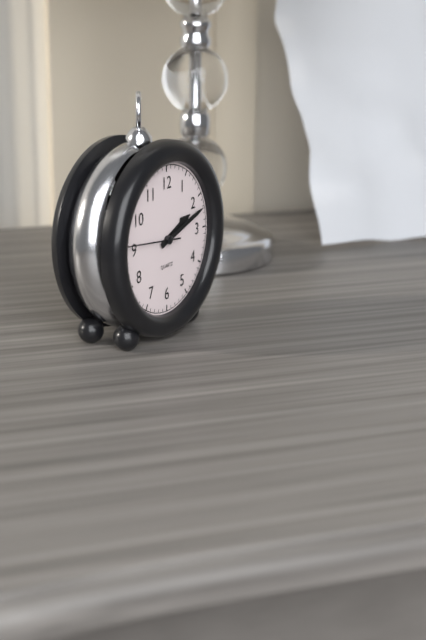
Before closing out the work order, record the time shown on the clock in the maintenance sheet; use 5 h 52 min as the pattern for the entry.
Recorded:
2 h 12 min
